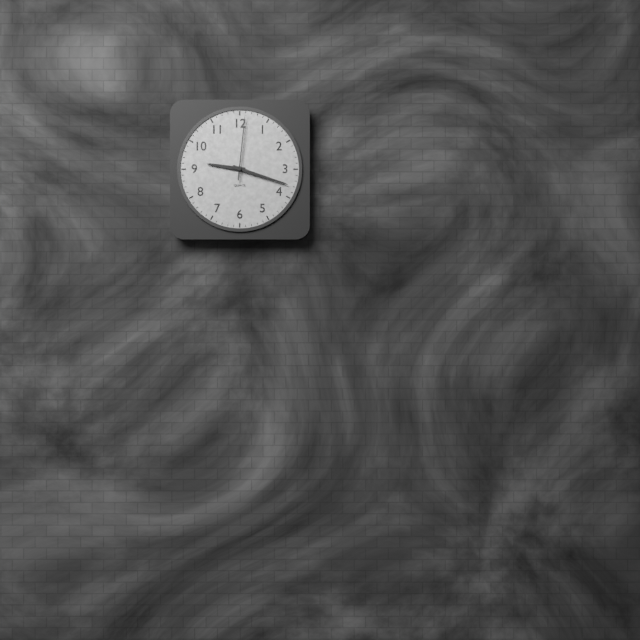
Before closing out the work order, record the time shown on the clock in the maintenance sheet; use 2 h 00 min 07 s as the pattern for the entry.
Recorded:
9 h 18 min 01 s
